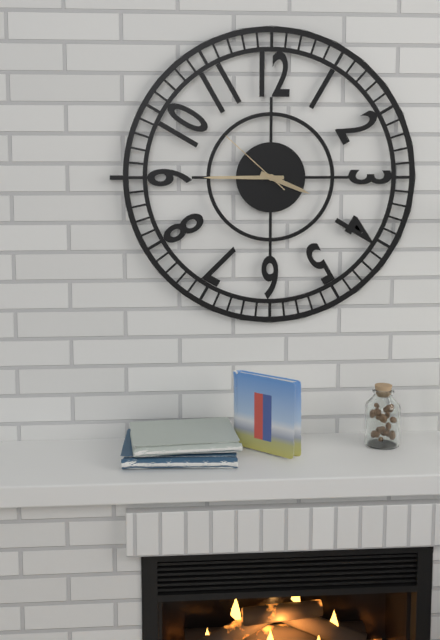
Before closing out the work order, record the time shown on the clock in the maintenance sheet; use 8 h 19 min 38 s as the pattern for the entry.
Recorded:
3 h 45 min 52 s
